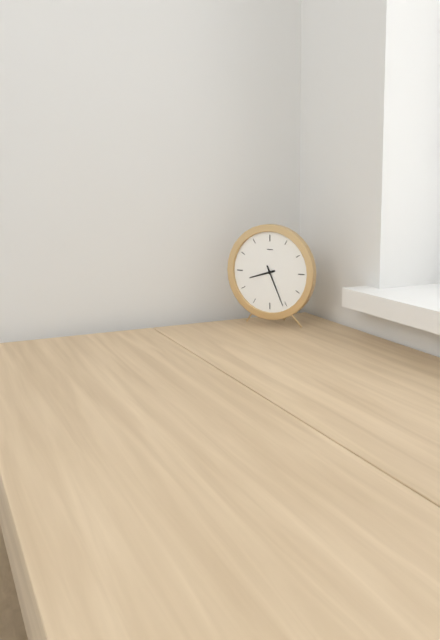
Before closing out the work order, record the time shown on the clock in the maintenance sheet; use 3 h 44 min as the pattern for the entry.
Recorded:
8 h 26 min
